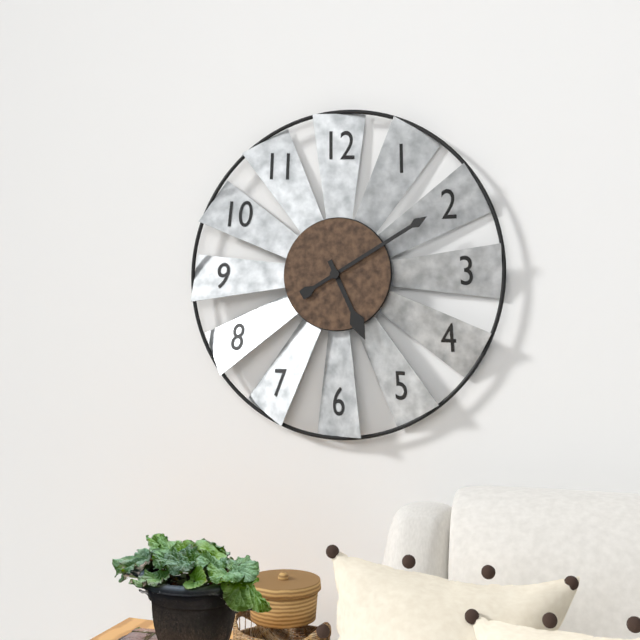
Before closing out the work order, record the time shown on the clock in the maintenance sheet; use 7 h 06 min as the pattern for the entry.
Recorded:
5 h 10 min
